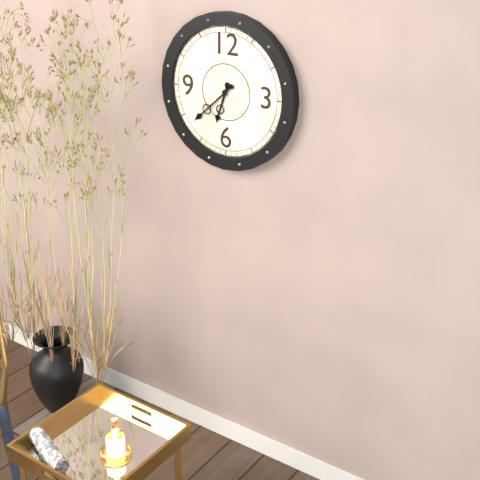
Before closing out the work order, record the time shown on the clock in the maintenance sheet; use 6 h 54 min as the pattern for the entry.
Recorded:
6 h 38 min
